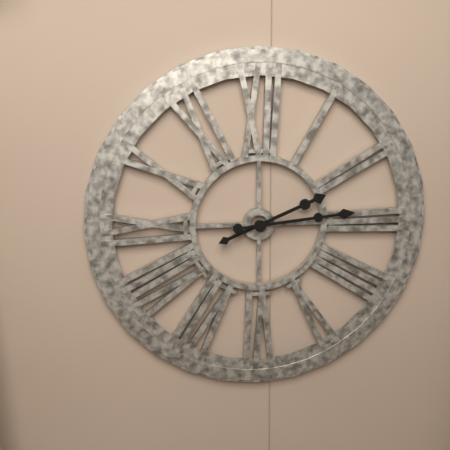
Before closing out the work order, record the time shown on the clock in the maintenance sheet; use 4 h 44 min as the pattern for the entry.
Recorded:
2 h 14 min
